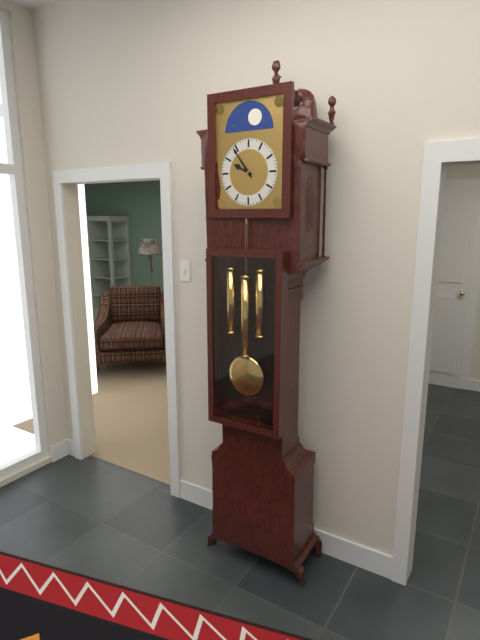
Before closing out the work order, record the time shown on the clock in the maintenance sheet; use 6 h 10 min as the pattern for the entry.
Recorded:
9 h 54 min
